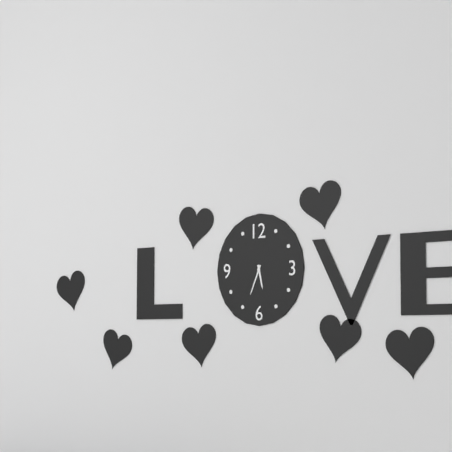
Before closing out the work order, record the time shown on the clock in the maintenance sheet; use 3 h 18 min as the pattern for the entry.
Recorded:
5 h 34 min
